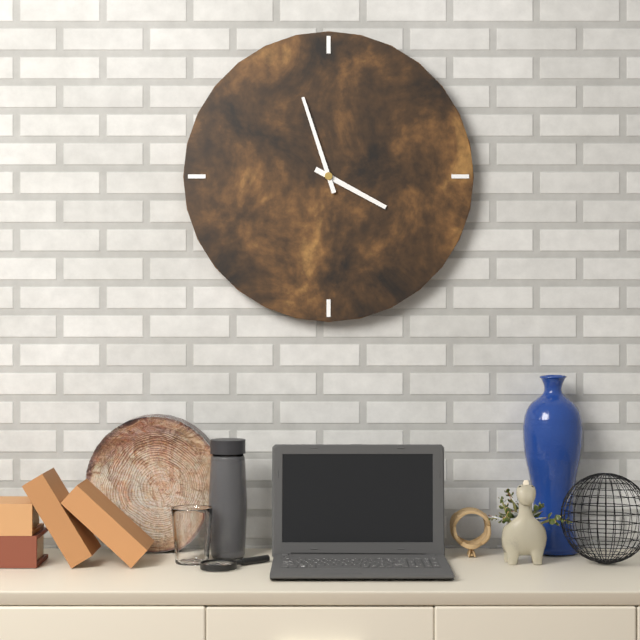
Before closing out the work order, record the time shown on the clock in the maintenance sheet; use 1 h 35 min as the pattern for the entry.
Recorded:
3 h 57 min
